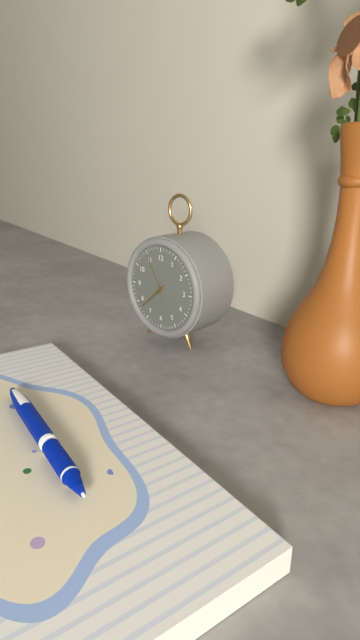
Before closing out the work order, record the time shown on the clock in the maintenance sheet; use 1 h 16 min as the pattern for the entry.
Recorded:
7 h 38 min
